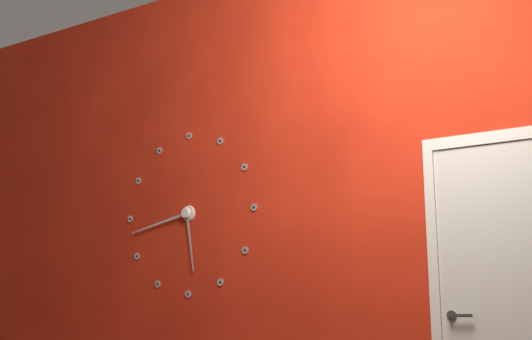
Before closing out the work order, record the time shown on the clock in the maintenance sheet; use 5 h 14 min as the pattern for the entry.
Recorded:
5 h 43 min
